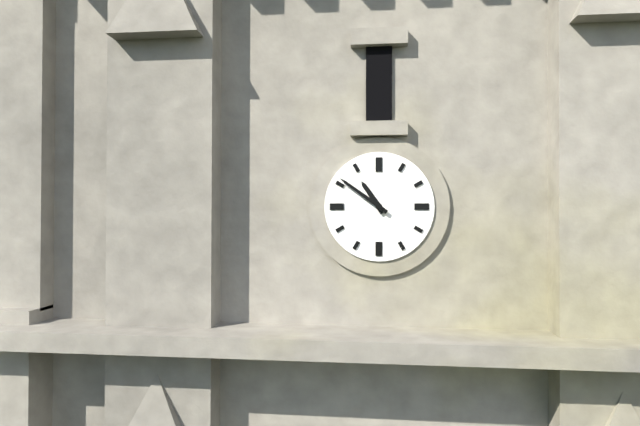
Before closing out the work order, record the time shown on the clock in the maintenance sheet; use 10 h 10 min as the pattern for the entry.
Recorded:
10 h 51 min
